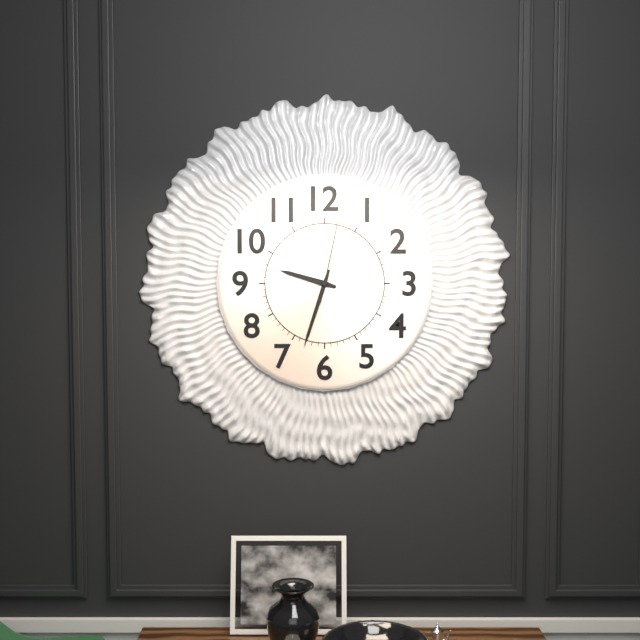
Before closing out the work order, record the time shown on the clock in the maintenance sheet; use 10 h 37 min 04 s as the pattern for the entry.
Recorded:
9 h 33 min 02 s
